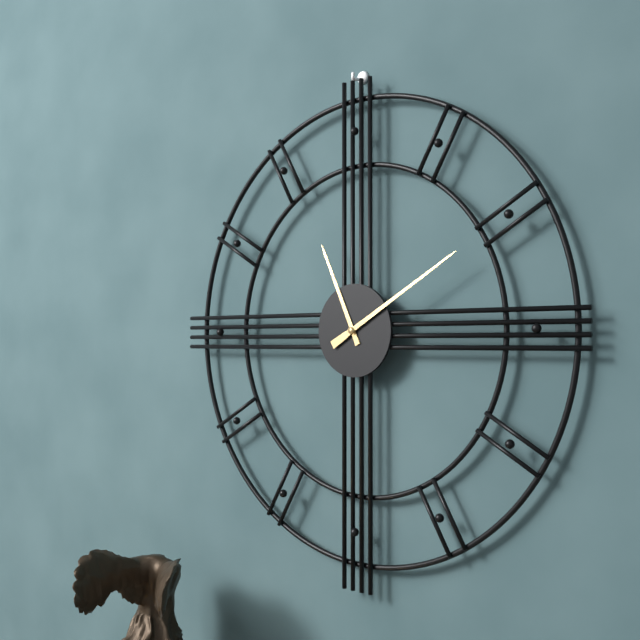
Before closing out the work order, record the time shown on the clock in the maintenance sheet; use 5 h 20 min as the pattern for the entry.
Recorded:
11 h 10 min
